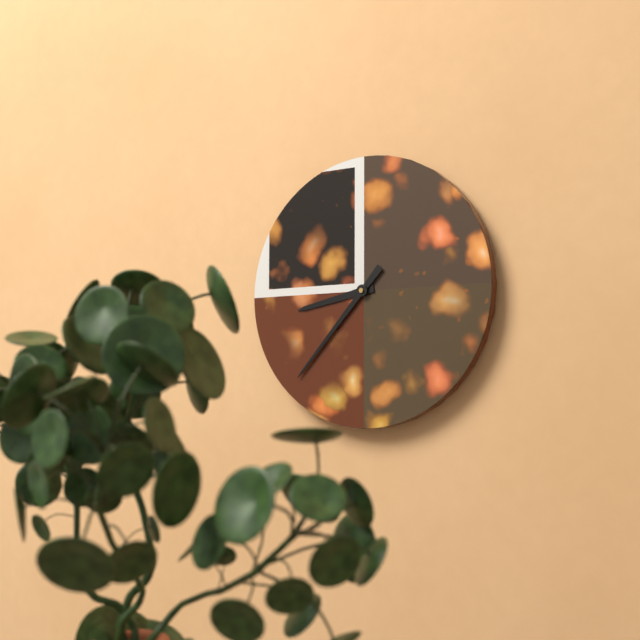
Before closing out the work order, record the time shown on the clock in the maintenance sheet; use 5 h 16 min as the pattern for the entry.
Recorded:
8 h 37 min
